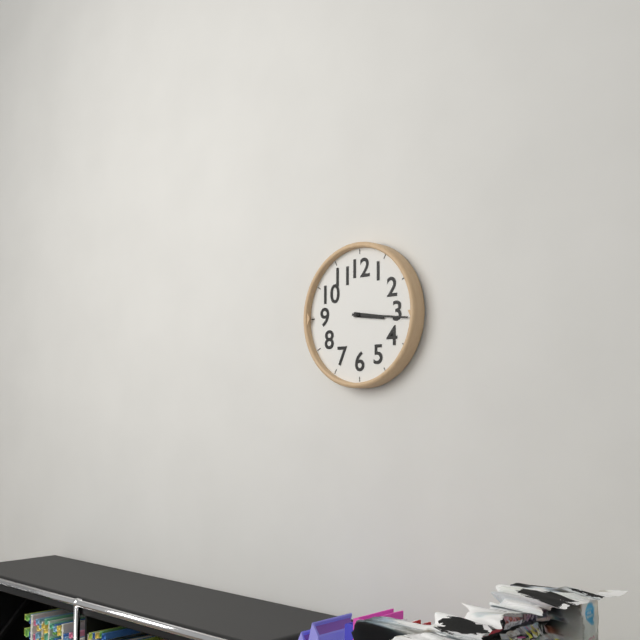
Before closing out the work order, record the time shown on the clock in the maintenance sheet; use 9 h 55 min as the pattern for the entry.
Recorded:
3 h 16 min
